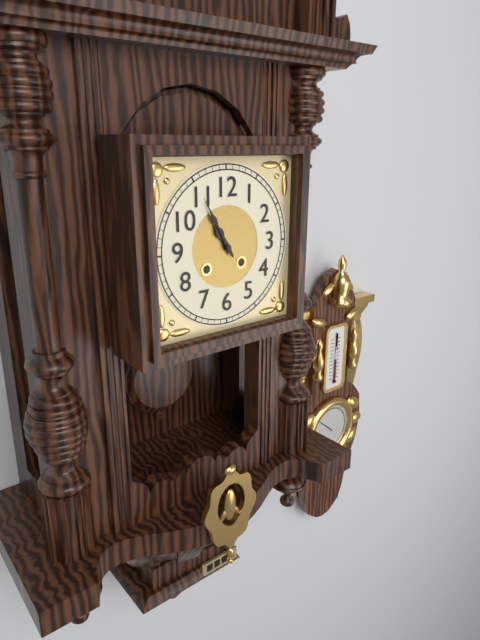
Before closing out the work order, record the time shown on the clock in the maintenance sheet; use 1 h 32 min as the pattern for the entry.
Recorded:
10 h 55 min
